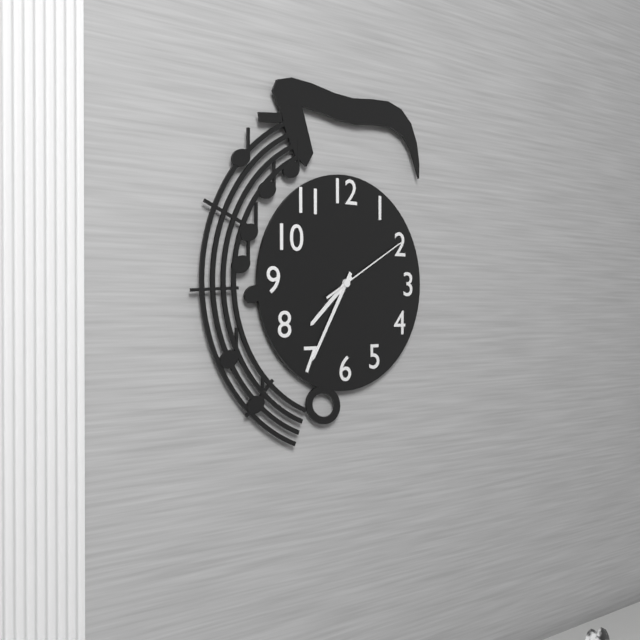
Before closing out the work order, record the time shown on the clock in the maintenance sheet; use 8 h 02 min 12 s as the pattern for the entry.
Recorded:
7 h 35 min 10 s
